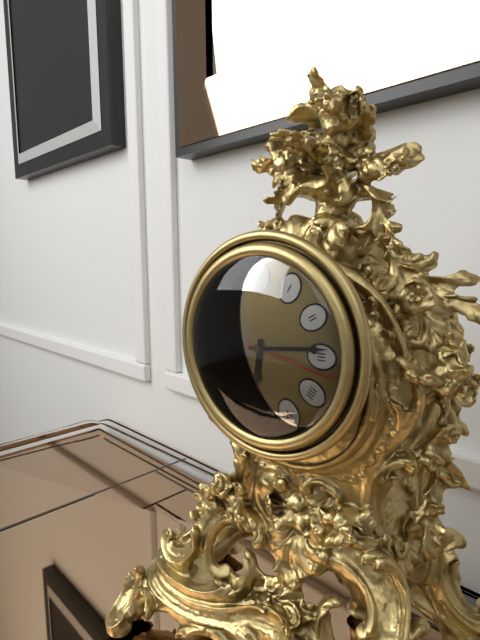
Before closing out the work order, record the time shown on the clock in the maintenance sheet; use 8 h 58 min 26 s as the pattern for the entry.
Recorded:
6 h 14 min 17 s
